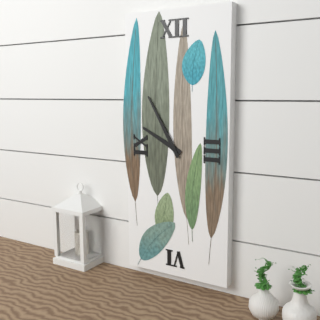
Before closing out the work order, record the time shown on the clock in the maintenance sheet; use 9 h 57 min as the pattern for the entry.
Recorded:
9 h 55 min
